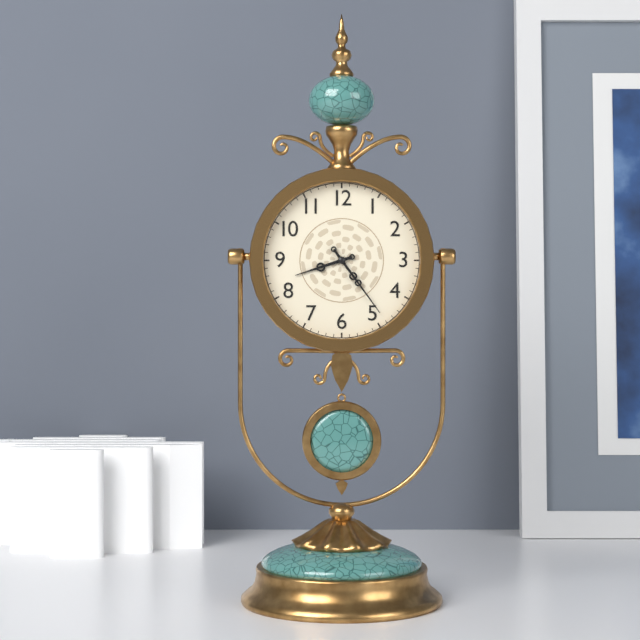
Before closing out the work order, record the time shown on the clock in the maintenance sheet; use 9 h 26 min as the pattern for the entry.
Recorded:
8 h 24 min
